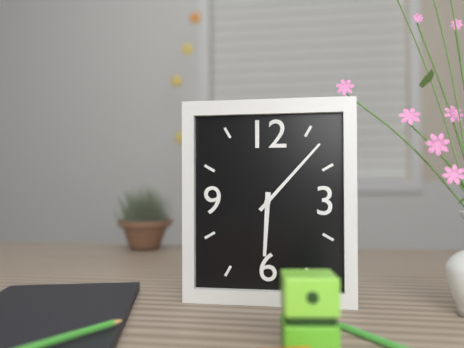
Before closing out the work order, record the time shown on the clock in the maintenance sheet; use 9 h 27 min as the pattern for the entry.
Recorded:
6 h 07 min
